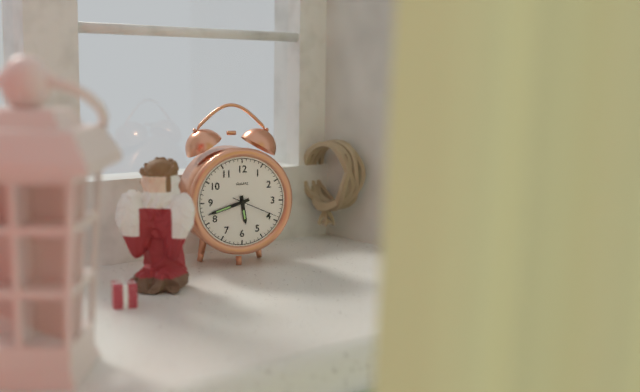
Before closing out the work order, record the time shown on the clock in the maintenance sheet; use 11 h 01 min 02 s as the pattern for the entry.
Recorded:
5 h 42 min 19 s
